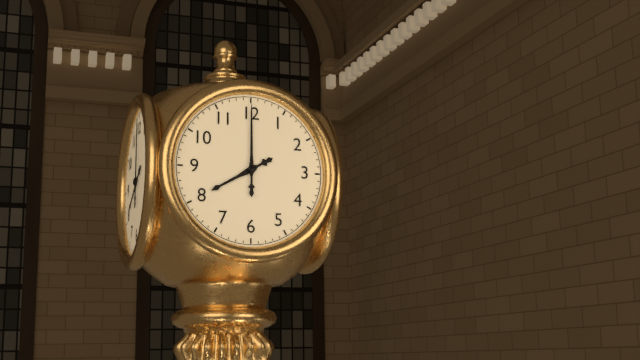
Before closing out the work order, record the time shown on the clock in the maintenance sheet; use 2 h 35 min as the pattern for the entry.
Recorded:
8 h 00 min
